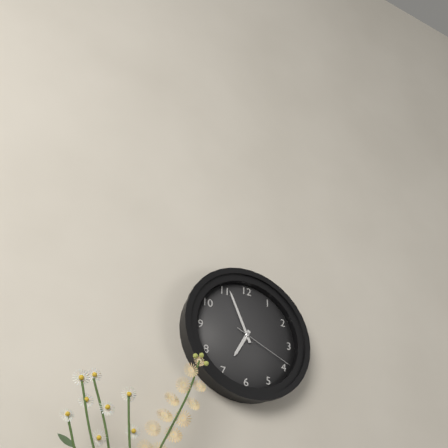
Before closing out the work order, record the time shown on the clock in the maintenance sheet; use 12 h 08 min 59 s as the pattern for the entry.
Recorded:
6 h 56 min 19 s
